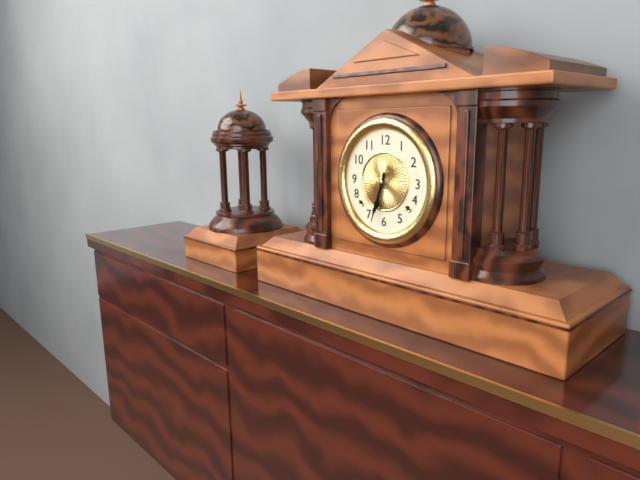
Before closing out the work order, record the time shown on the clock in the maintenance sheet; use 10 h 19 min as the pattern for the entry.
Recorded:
6 h 33 min
